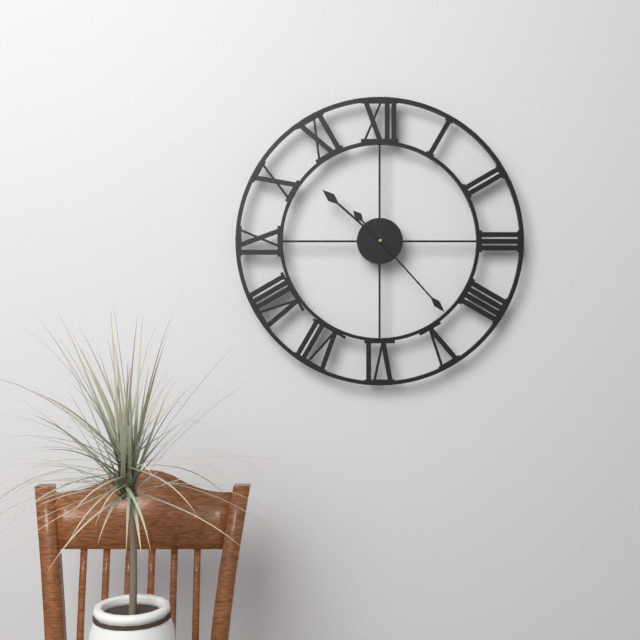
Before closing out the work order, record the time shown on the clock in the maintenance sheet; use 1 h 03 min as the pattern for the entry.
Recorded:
10 h 23 min
